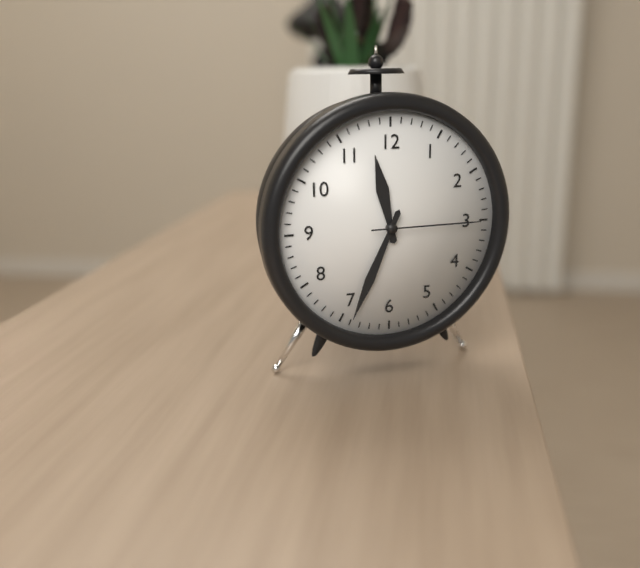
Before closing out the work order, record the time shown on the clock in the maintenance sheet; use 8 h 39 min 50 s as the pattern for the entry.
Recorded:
11 h 34 min 15 s
